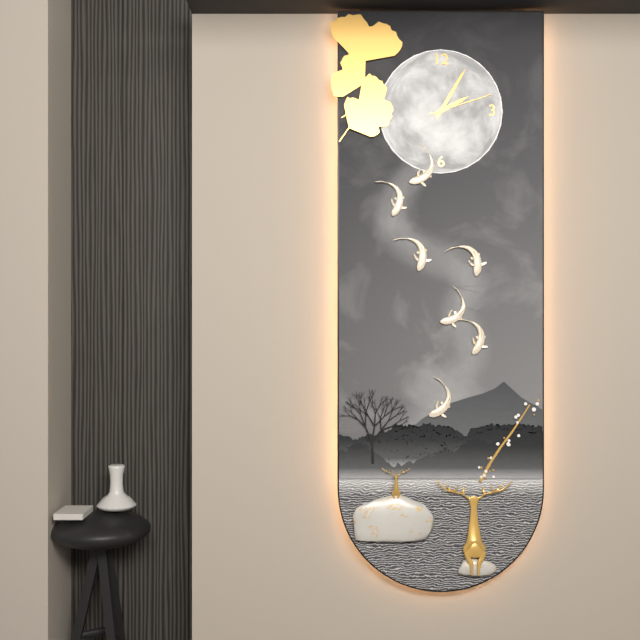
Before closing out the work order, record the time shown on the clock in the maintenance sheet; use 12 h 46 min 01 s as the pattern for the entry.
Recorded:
2 h 05 min 12 s
